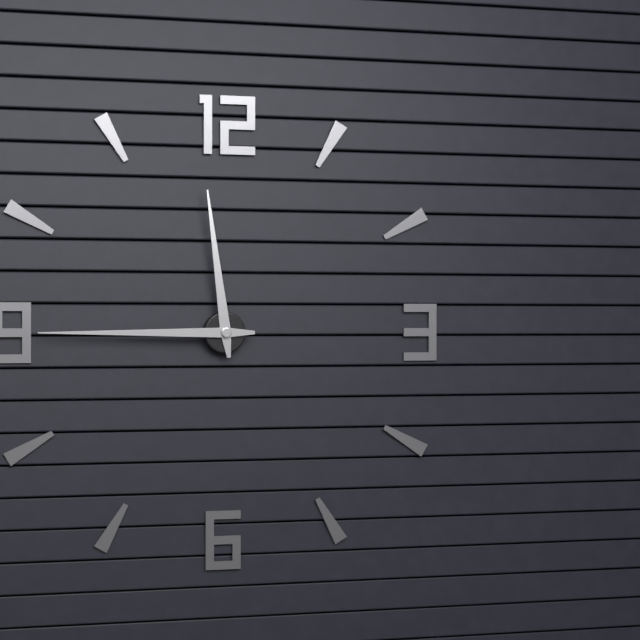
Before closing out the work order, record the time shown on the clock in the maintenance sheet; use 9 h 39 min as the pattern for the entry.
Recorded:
11 h 45 min
